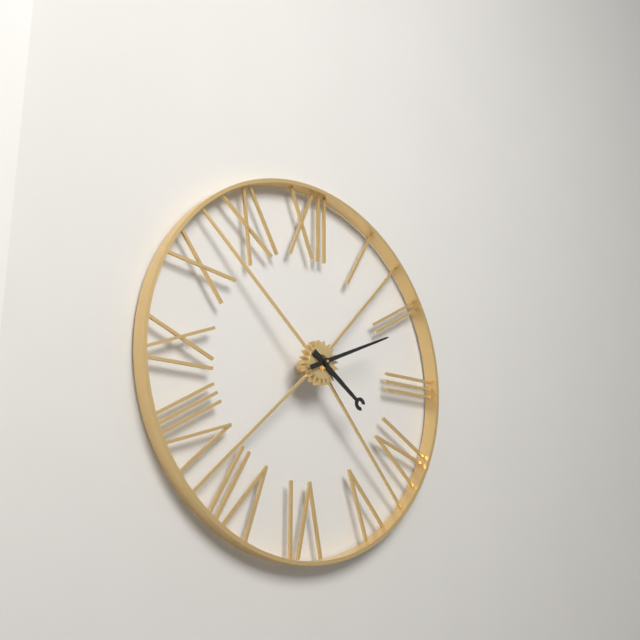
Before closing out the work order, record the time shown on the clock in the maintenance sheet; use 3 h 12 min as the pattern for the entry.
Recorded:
4 h 11 min
